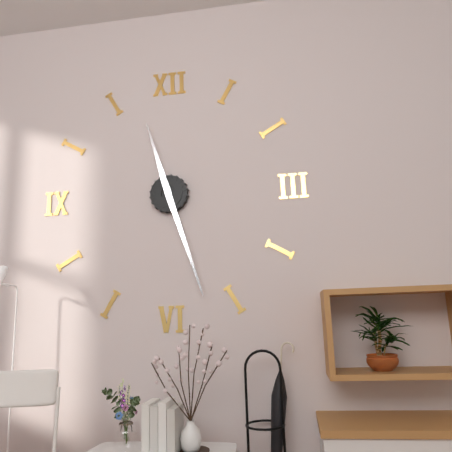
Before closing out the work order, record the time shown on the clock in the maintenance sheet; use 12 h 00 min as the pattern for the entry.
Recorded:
11 h 27 min
